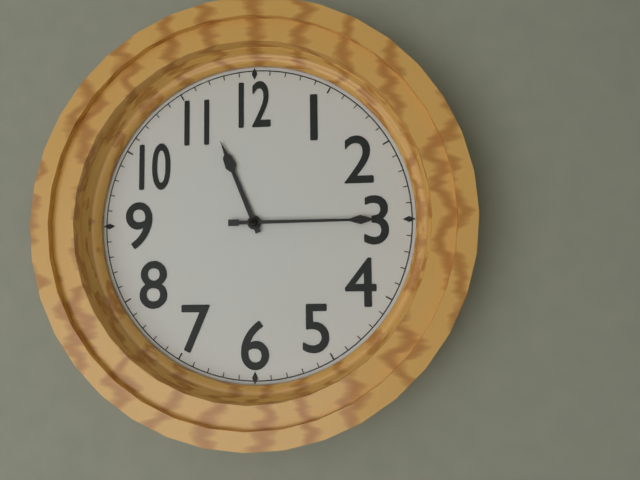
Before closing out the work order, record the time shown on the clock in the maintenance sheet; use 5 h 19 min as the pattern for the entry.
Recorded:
11 h 15 min
